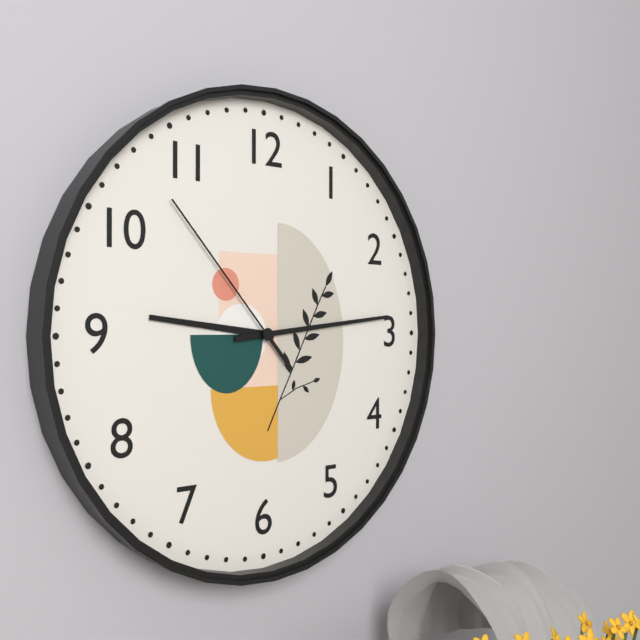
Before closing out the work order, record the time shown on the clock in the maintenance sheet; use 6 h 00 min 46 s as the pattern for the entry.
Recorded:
9 h 14 min 53 s
